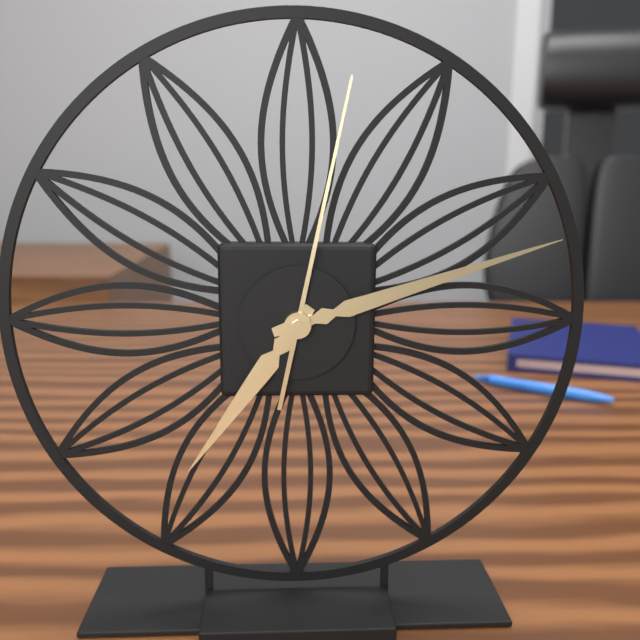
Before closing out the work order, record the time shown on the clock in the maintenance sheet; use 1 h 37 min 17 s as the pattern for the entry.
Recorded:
7 h 12 min 02 s
